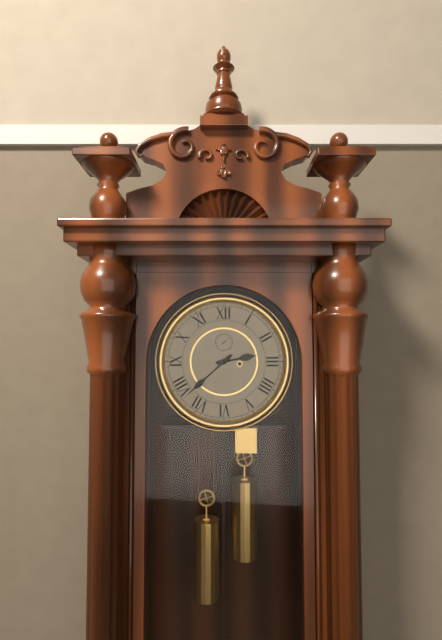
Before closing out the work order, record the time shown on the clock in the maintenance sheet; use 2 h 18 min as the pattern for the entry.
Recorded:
2 h 38 min
